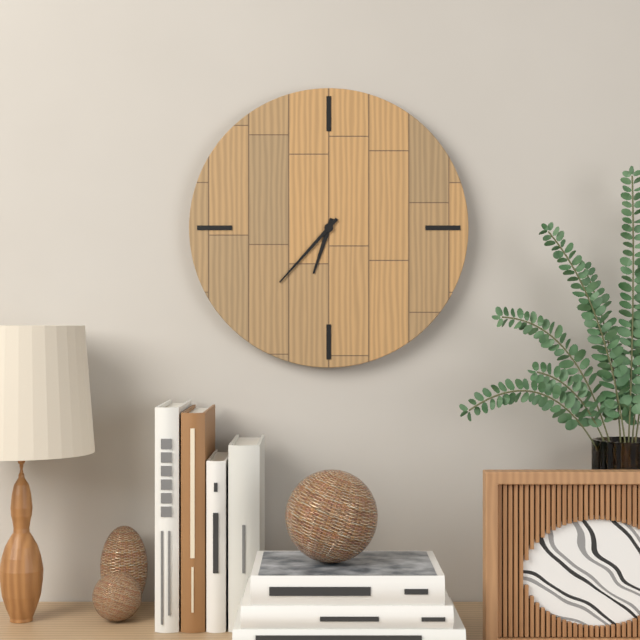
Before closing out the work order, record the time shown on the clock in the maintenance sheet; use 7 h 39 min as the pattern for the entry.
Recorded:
6 h 37 min
